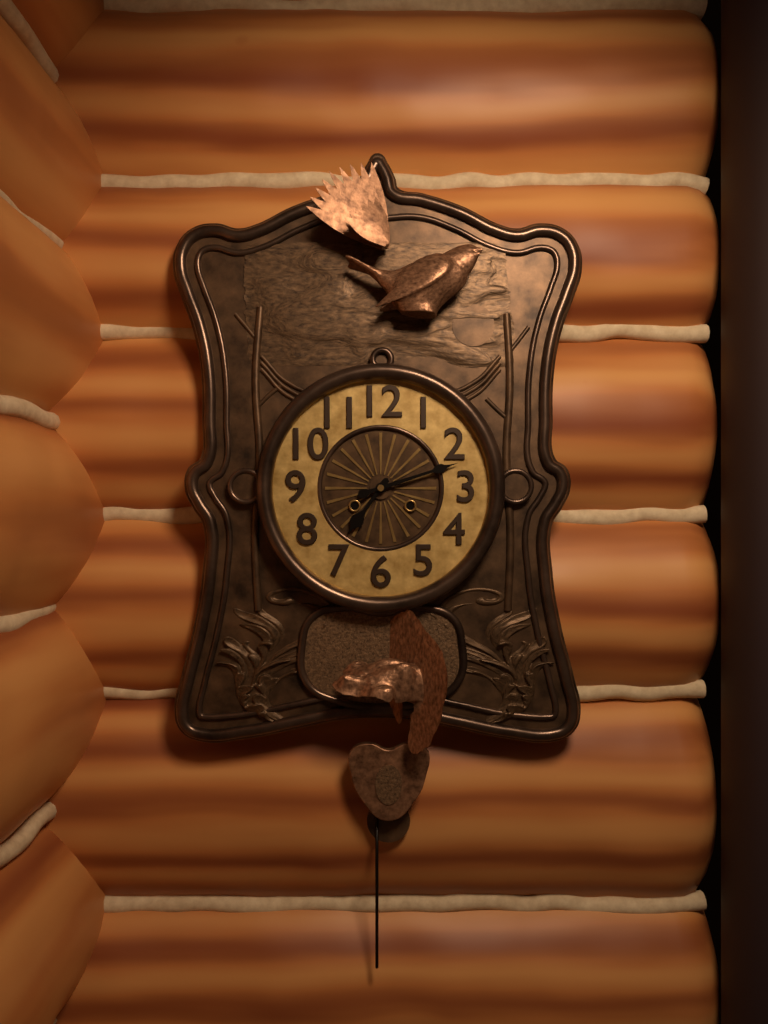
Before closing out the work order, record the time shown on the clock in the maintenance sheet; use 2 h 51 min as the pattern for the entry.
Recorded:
7 h 12 min
